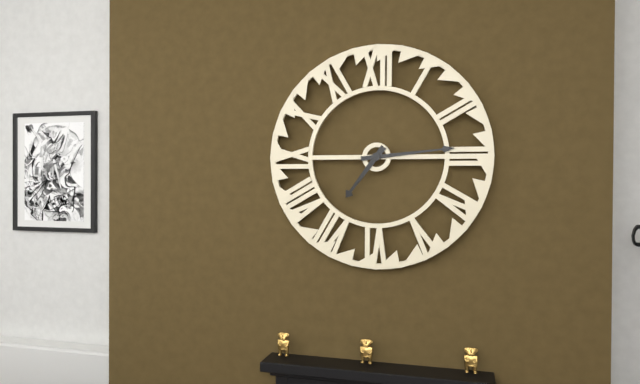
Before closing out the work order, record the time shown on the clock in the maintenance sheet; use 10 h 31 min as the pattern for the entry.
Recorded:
7 h 14 min
